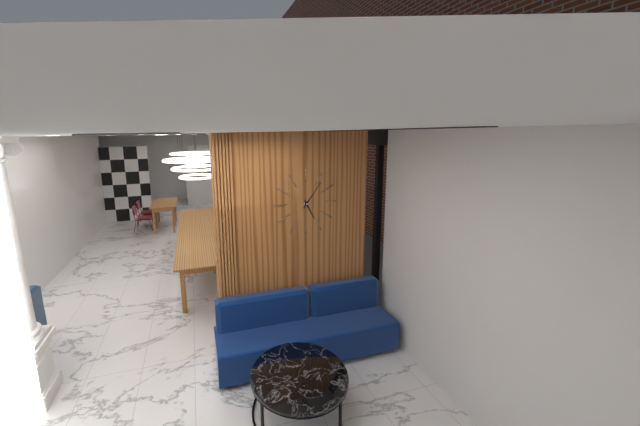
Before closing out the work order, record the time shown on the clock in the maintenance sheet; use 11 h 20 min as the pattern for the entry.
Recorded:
5 h 06 min
